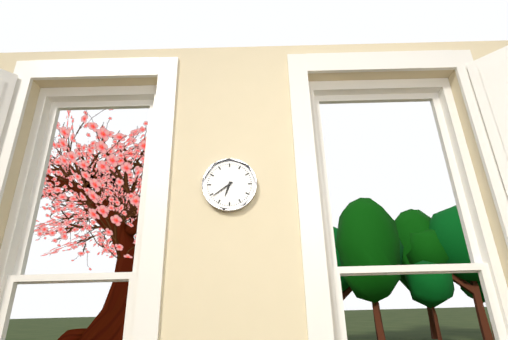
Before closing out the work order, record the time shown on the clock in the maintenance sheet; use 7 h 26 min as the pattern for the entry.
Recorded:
6 h 39 min
